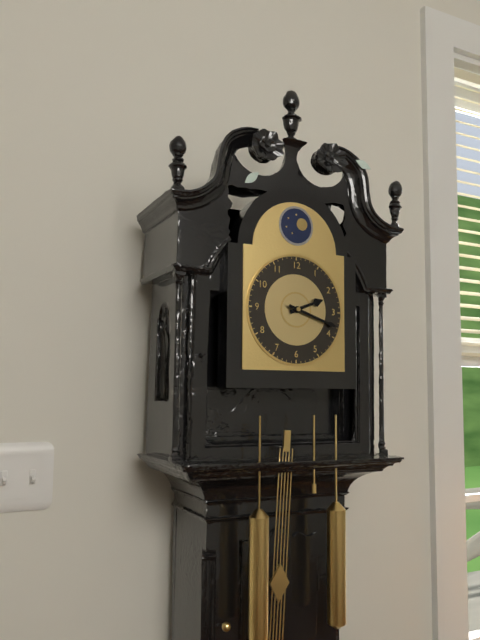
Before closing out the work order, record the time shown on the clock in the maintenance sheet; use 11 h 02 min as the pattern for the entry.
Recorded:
2 h 18 min
